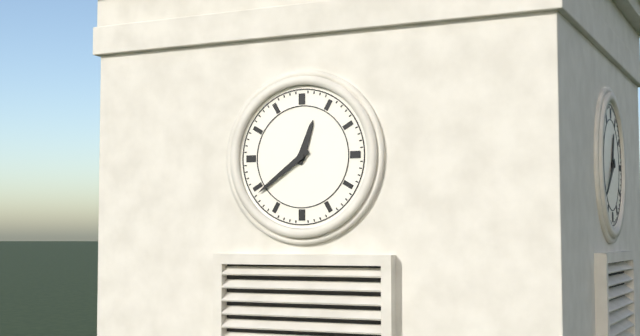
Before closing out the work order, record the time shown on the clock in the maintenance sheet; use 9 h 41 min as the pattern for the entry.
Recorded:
12 h 39 min
